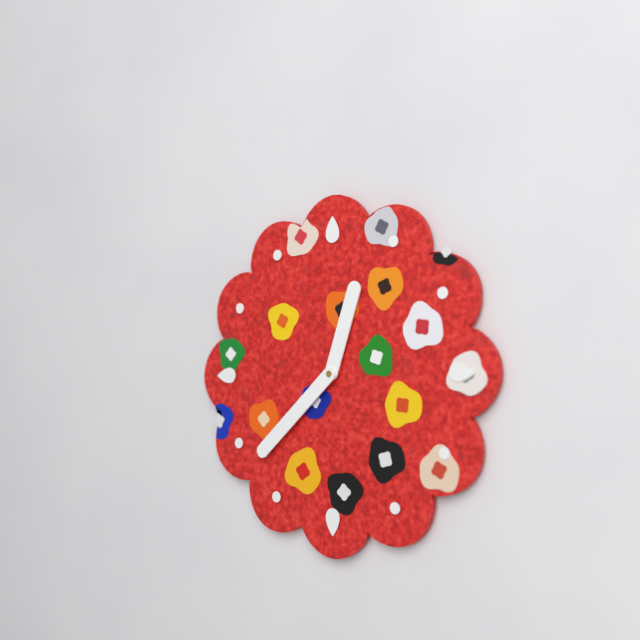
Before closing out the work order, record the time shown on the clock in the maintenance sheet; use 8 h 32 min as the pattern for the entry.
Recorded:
12 h 38 min
